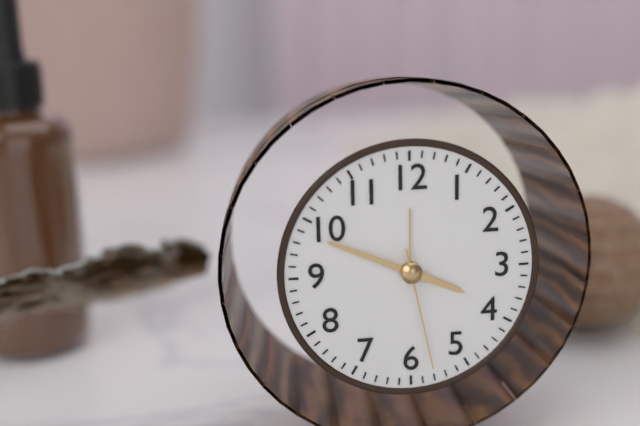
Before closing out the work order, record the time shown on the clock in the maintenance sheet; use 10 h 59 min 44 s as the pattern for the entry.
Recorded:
3 h 49 min 28 s
